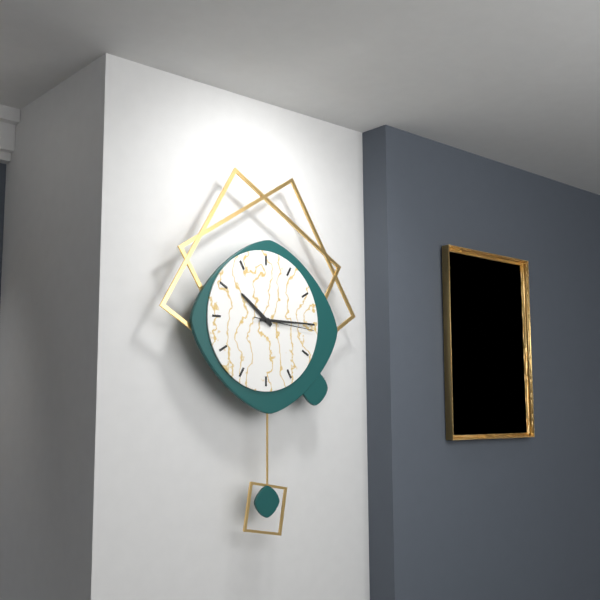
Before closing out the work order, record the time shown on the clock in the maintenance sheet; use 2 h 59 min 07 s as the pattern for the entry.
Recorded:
10 h 15 min 16 s
